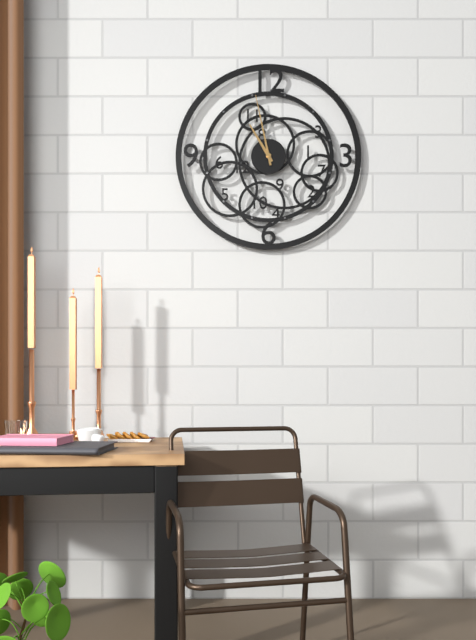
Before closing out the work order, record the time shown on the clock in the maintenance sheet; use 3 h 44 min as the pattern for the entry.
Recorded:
10 h 58 min
